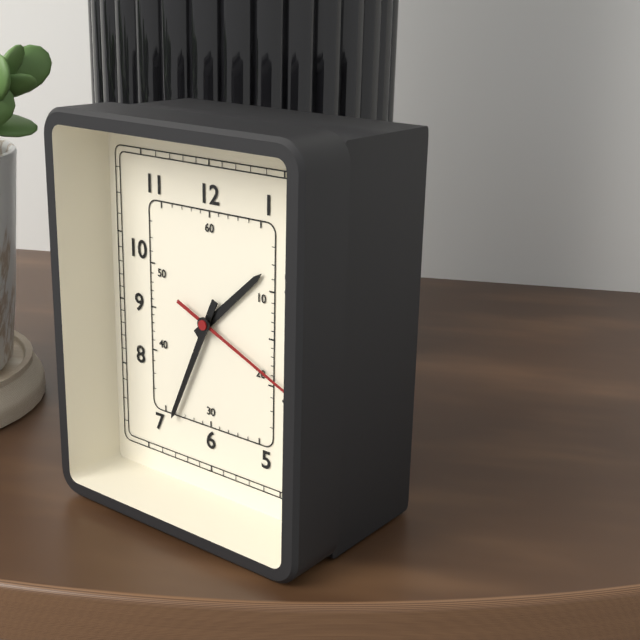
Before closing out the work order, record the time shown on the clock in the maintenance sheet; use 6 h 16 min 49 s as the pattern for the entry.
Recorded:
1 h 34 min 19 s
